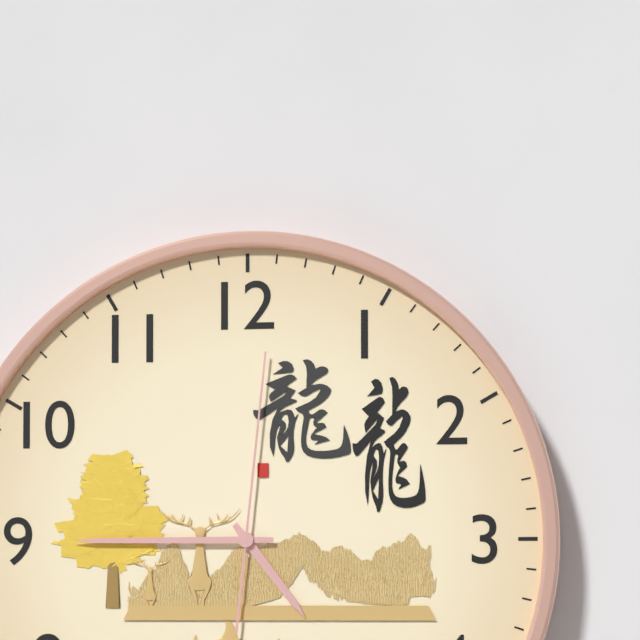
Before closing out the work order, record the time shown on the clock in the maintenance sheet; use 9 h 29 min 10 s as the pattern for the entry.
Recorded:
4 h 45 min 01 s
